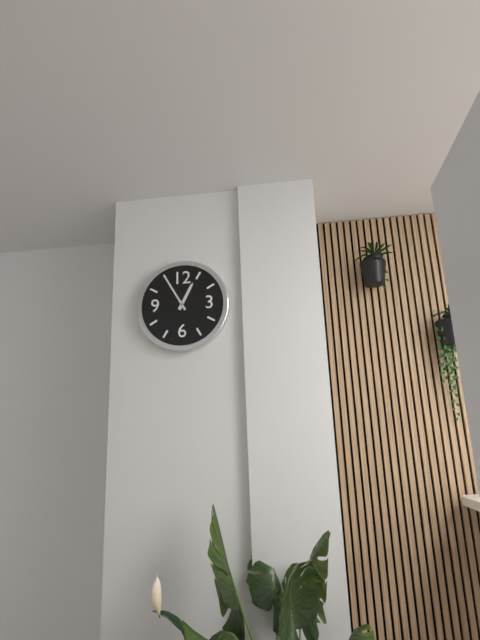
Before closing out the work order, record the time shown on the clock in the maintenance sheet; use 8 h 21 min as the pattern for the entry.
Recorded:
12 h 55 min
